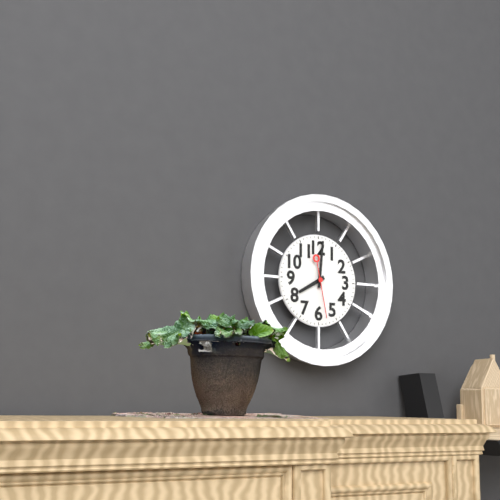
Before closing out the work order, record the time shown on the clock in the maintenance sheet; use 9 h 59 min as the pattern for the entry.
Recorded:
8 h 01 min
